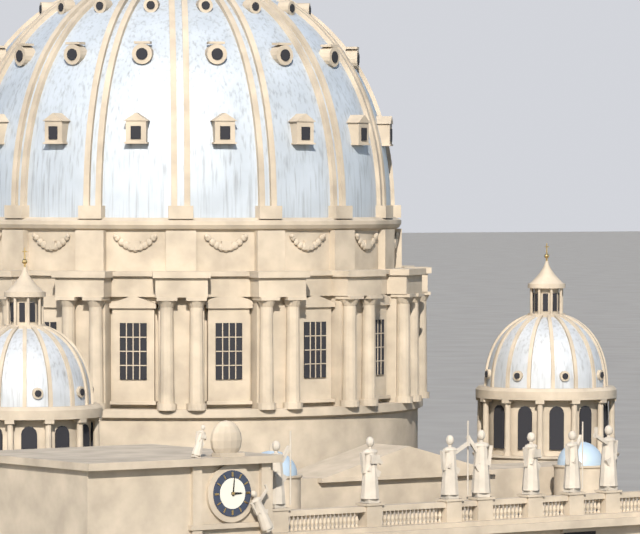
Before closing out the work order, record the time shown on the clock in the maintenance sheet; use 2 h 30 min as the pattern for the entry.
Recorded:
3 h 01 min
